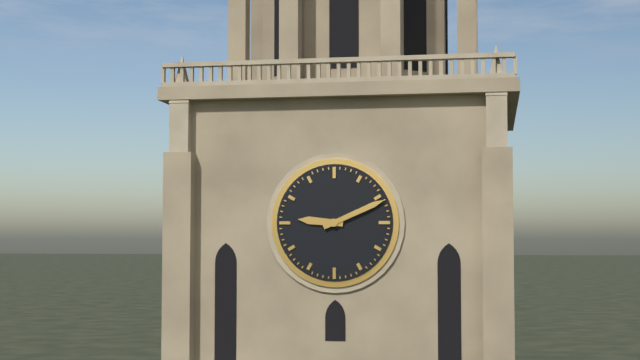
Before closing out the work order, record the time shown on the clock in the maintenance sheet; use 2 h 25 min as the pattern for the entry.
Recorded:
9 h 11 min
